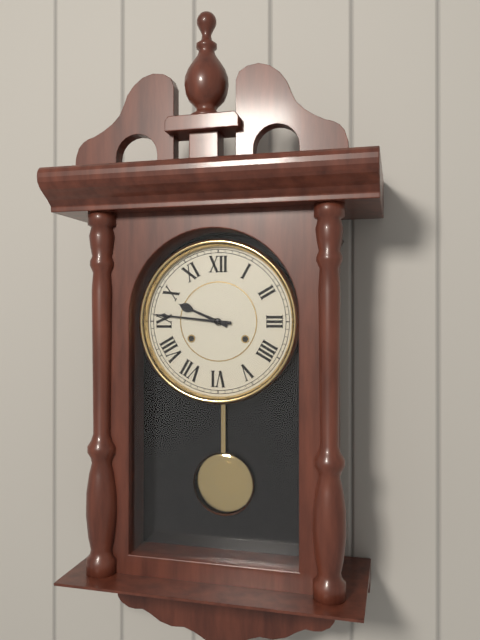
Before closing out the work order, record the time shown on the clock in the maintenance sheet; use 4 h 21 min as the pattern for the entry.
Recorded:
9 h 46 min
